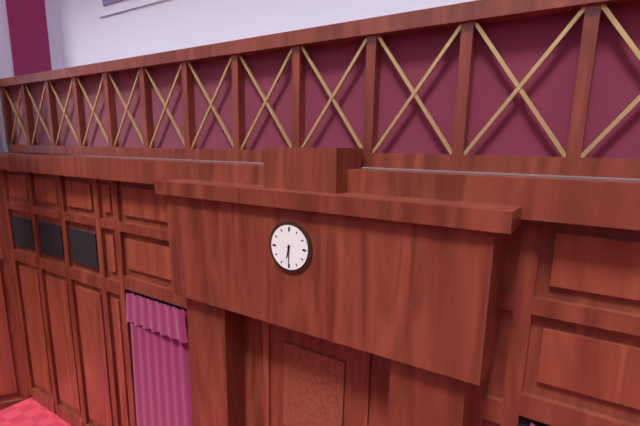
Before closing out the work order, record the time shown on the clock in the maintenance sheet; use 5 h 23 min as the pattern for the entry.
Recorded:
6 h 30 min
